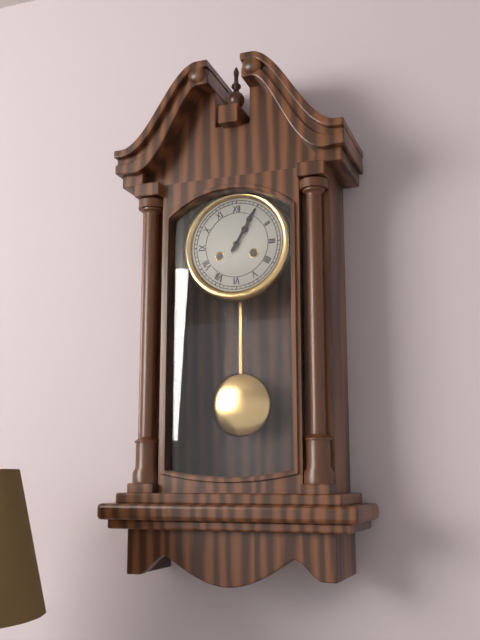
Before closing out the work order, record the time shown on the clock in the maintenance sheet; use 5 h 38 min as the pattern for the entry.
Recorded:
1 h 05 min
